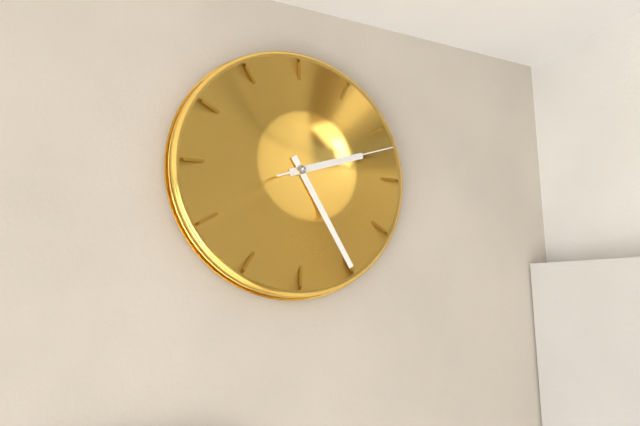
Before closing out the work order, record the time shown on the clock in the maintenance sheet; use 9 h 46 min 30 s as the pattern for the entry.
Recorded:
2 h 25 min 12 s
